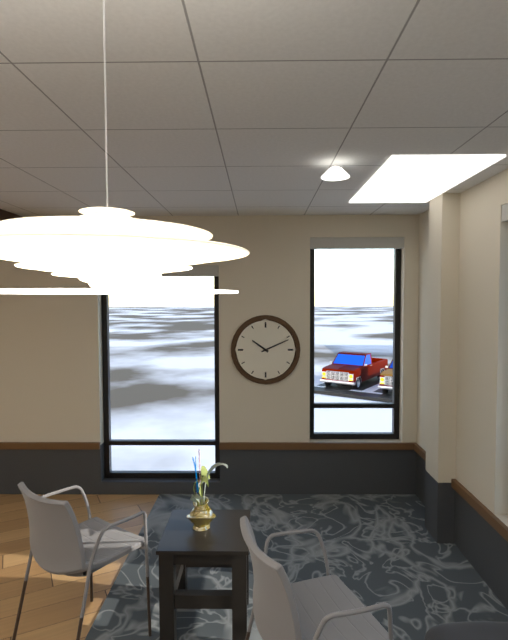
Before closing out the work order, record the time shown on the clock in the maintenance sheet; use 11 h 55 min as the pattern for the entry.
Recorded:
10 h 11 min
